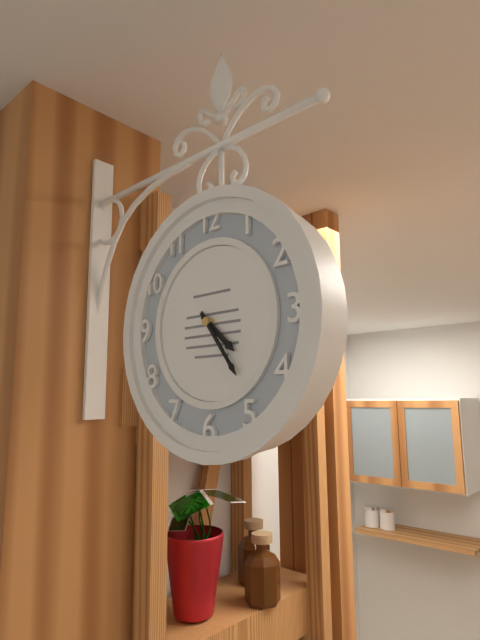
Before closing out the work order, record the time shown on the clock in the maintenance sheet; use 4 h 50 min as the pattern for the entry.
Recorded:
4 h 24 min
